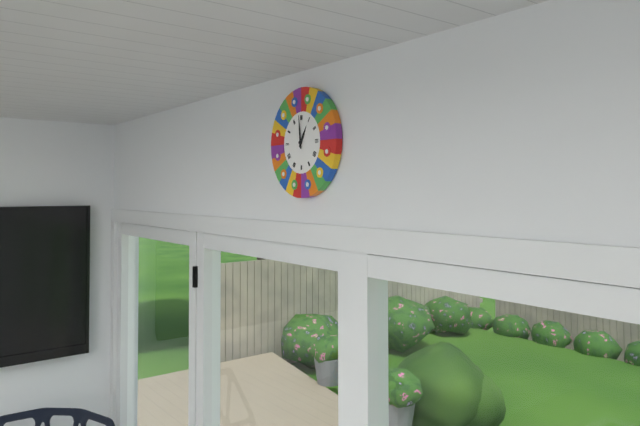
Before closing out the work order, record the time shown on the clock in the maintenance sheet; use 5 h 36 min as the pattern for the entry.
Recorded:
12 h 59 min
